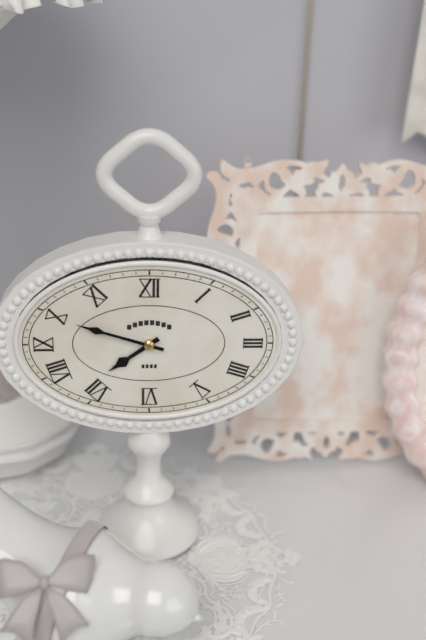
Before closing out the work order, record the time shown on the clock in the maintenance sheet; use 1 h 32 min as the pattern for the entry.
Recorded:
7 h 48 min
